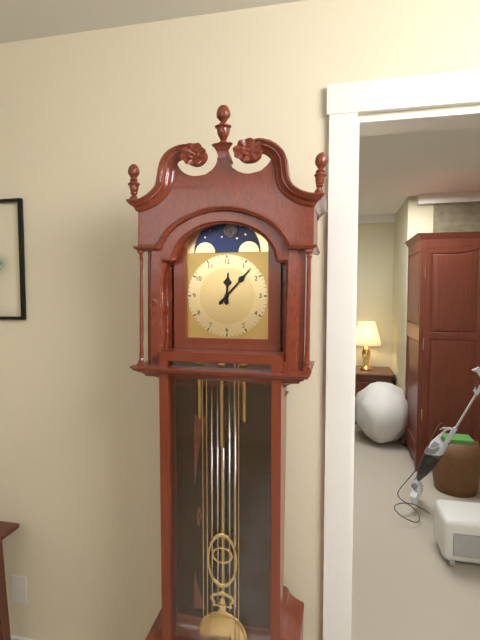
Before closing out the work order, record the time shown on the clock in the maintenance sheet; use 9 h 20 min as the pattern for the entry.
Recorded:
12 h 07 min
